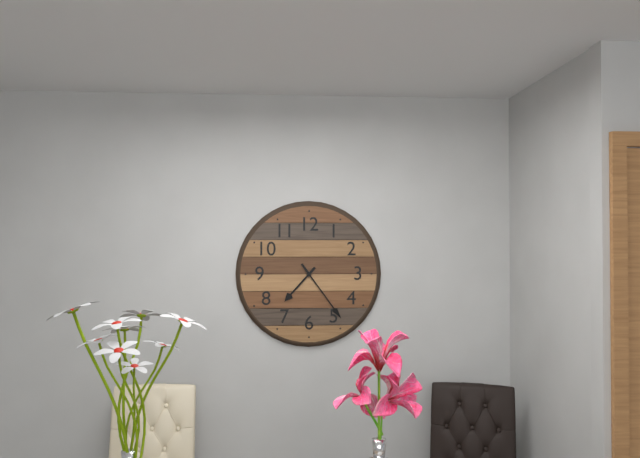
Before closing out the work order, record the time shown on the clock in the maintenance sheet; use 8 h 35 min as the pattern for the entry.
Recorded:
7 h 24 min
